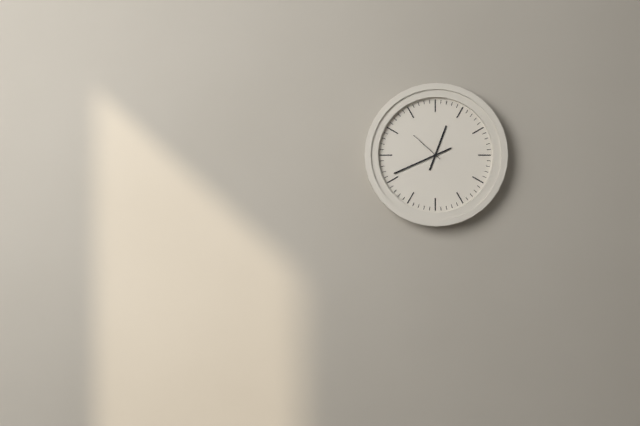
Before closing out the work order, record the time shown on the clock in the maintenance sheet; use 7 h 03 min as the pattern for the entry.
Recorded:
12 h 41 min
